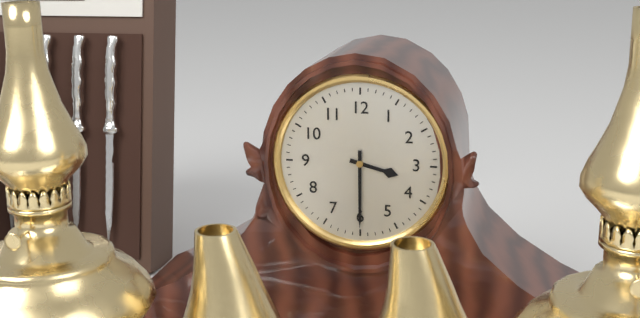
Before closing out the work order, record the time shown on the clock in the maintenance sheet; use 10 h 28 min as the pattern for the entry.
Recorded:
3 h 30 min
